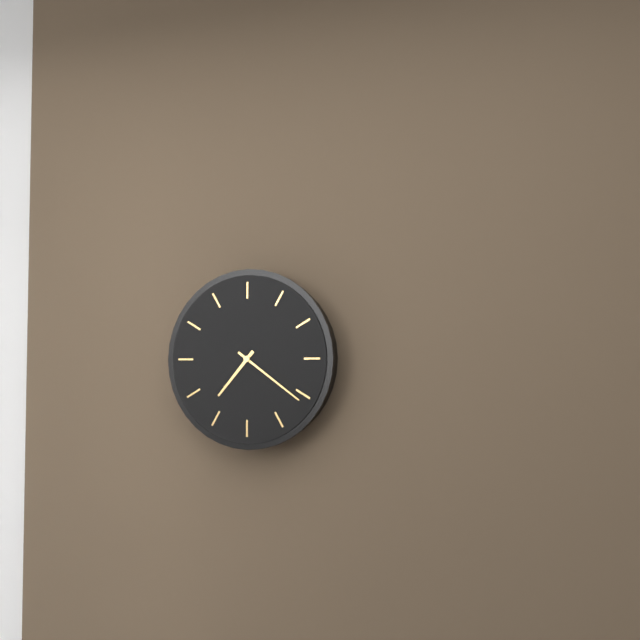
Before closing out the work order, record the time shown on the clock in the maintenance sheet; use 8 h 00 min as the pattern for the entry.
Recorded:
7 h 21 min
